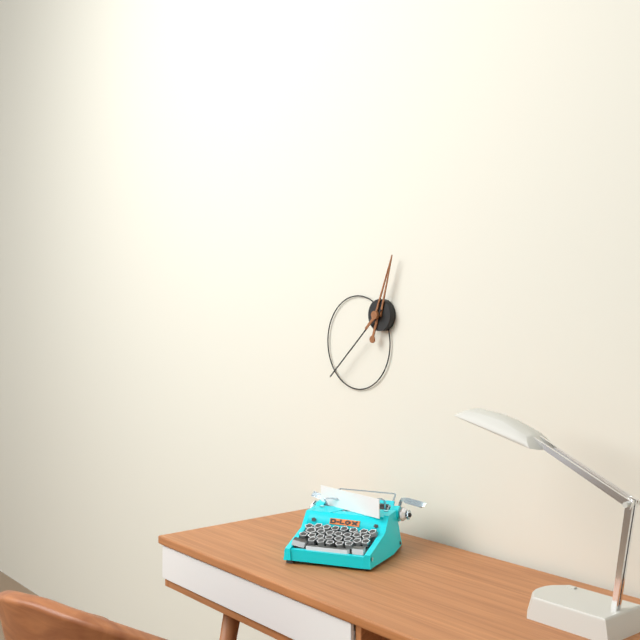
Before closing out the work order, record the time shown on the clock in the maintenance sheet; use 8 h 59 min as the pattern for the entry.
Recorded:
12 h 38 min
